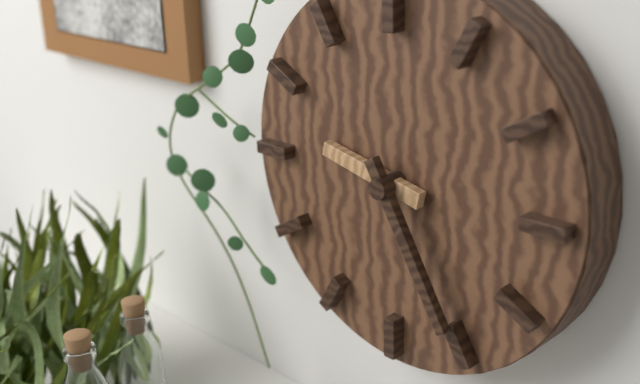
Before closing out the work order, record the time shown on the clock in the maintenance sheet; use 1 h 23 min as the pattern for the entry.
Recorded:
9 h 25 min
